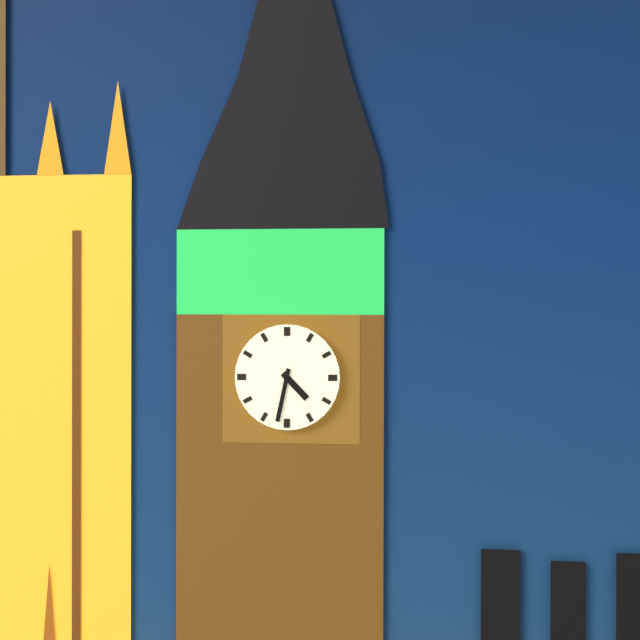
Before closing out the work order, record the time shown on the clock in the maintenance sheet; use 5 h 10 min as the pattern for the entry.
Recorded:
4 h 32 min
